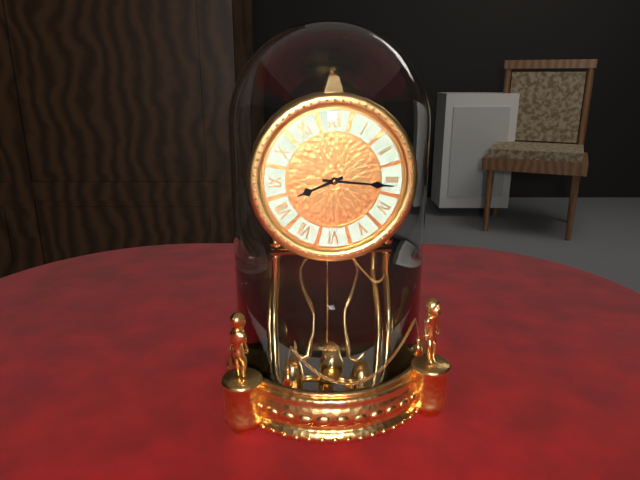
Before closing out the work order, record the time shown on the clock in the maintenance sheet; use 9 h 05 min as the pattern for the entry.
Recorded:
8 h 16 min
